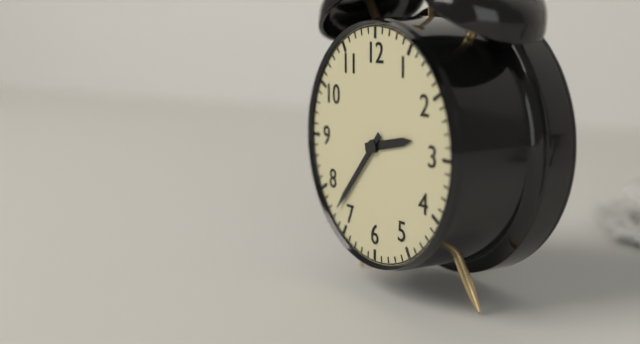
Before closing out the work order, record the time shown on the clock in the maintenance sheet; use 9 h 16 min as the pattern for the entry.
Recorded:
2 h 37 min
